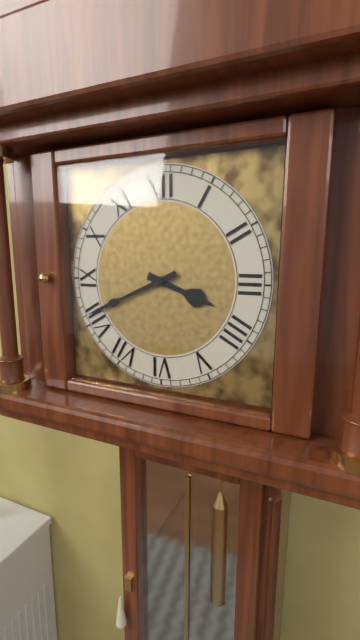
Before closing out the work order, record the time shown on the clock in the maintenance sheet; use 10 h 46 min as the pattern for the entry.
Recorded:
3 h 41 min
